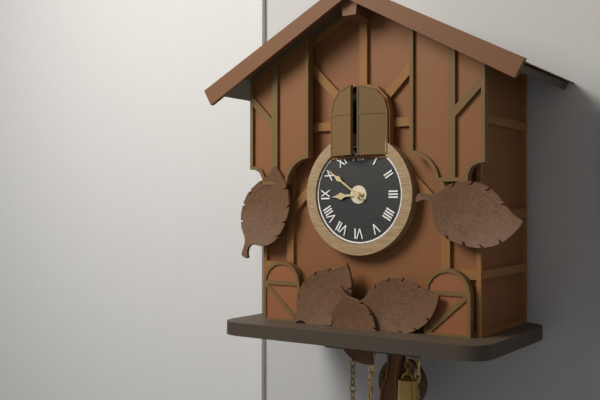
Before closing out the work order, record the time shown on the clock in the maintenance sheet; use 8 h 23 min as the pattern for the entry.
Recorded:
8 h 51 min
